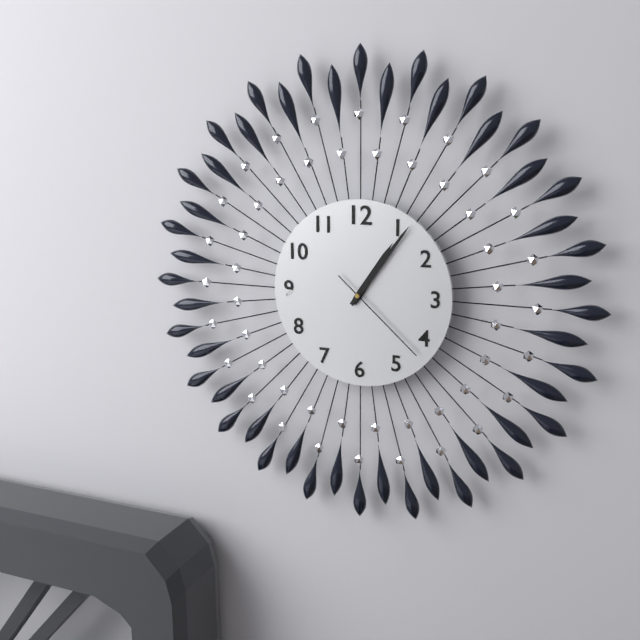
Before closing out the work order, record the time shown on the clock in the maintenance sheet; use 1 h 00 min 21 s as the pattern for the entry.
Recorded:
1 h 06 min 22 s
